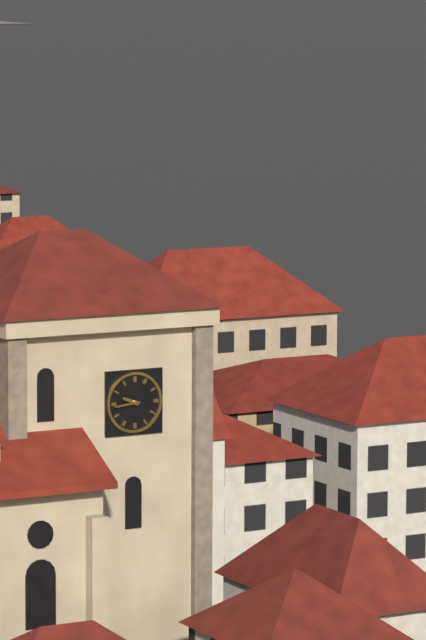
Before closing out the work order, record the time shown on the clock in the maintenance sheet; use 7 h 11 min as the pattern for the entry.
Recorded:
9 h 44 min
